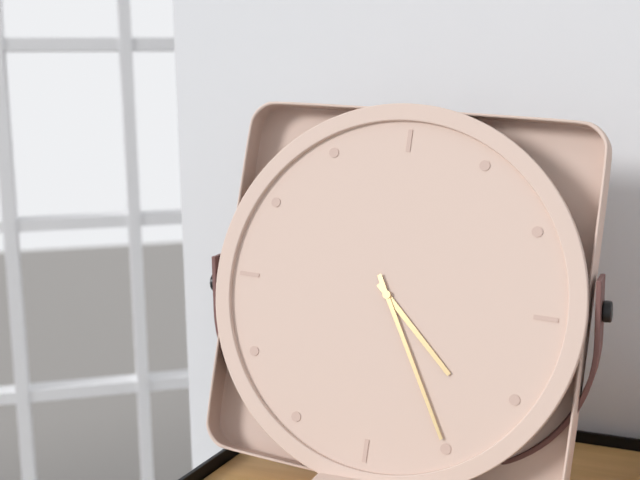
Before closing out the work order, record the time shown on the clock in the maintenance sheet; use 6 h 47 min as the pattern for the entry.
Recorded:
4 h 25 min
